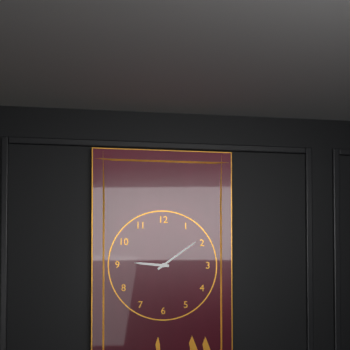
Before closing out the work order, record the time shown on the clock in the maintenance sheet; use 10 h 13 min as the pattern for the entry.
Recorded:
9 h 09 min
